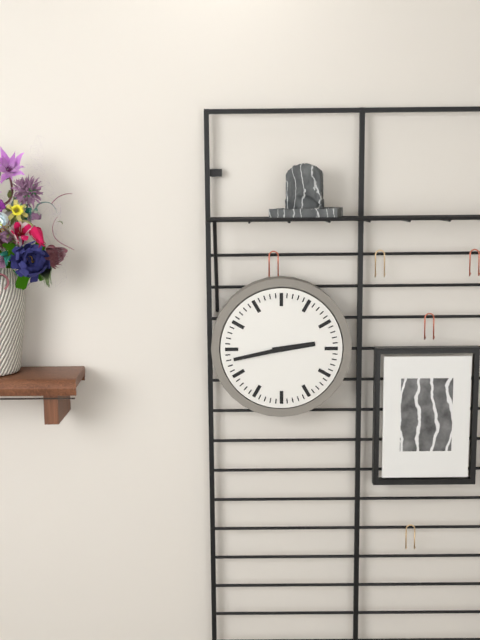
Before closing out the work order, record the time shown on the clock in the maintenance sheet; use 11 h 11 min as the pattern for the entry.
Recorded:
2 h 43 min
